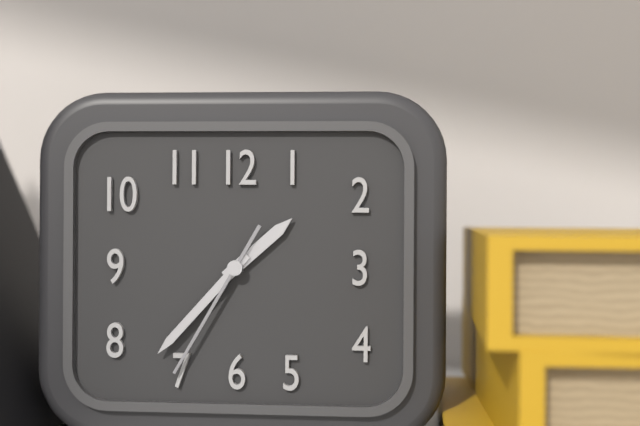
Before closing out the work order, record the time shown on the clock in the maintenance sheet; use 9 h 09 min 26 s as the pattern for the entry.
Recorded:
1 h 37 min 35 s
